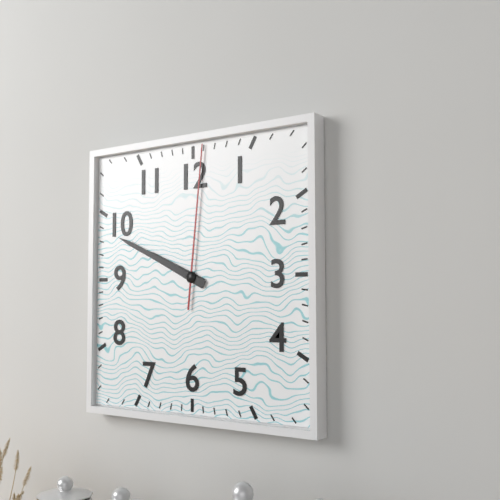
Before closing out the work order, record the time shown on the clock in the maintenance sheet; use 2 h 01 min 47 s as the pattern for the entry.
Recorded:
9 h 49 min 01 s
